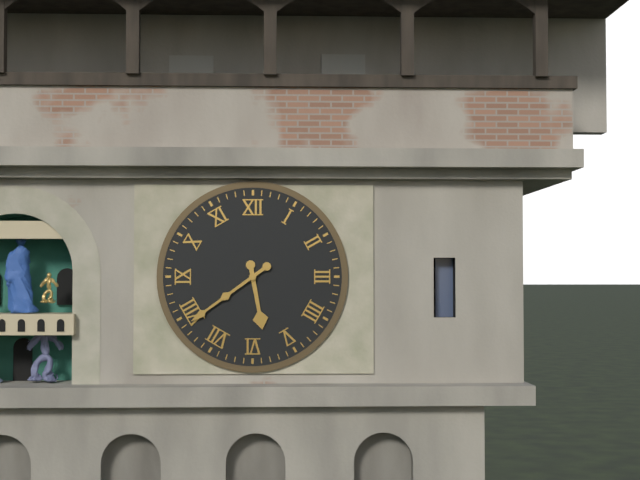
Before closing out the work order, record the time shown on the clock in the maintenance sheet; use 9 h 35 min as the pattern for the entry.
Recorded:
5 h 39 min
